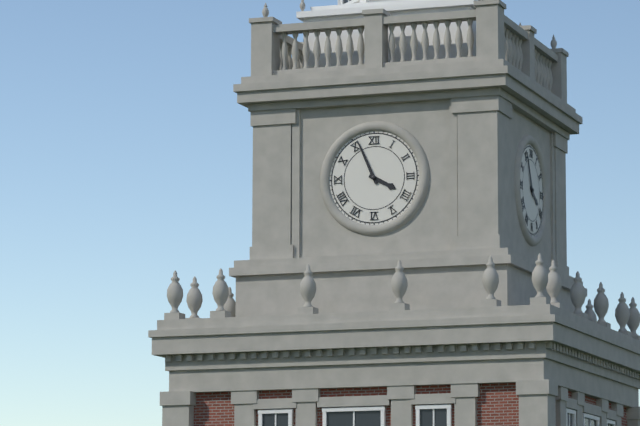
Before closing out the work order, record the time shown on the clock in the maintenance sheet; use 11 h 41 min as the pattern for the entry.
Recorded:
3 h 56 min
